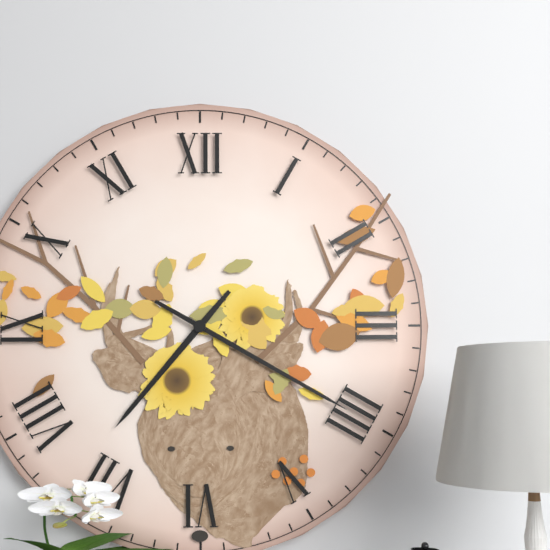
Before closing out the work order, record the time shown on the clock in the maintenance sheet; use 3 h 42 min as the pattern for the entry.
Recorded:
7 h 20 min
